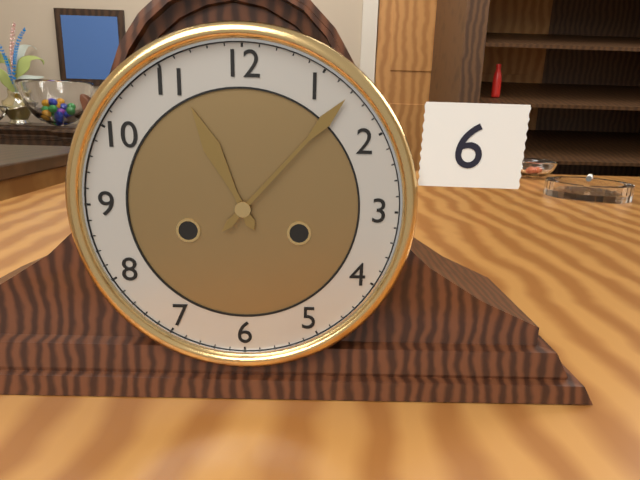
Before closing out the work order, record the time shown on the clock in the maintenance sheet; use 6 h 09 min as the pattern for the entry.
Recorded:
11 h 07 min
